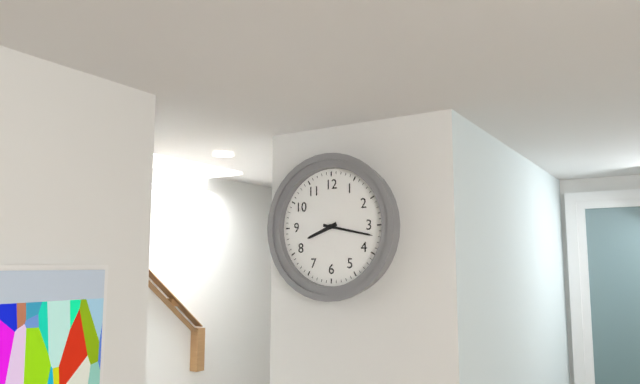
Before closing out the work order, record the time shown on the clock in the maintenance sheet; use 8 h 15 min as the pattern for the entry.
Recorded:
8 h 17 min
